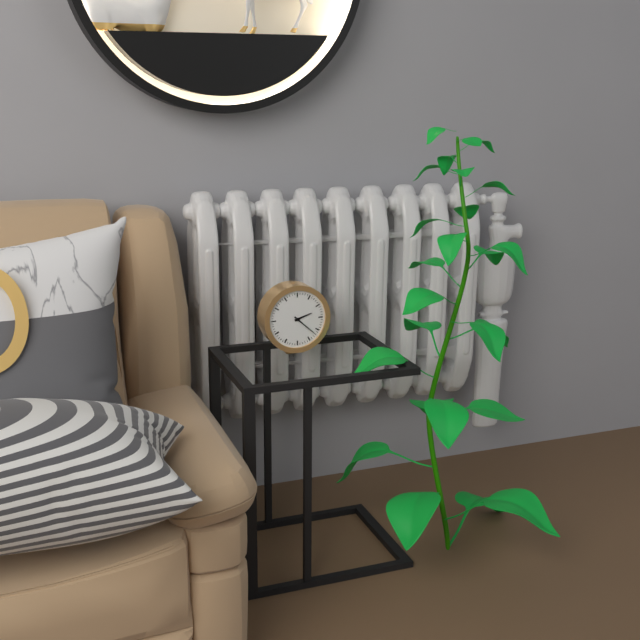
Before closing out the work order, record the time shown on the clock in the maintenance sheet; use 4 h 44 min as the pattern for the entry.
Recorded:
2 h 22 min
